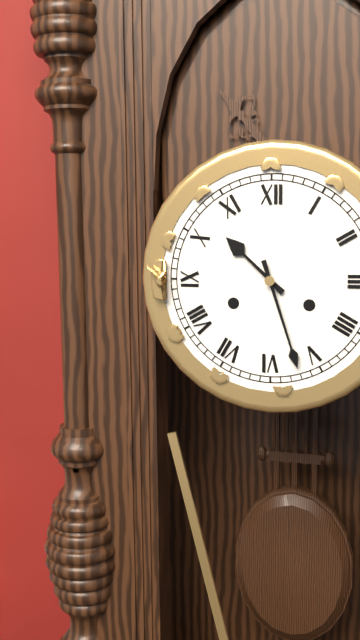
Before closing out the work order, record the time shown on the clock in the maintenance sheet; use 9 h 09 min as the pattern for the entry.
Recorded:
10 h 27 min
